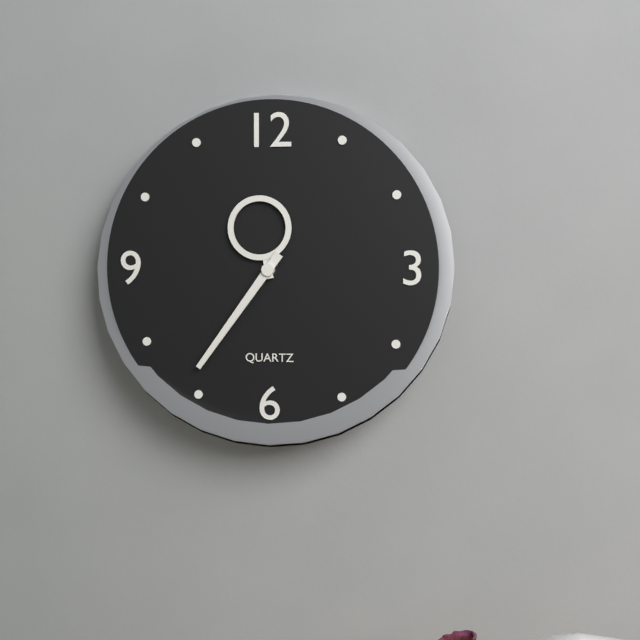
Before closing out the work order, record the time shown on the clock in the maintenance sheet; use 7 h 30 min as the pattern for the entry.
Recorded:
11 h 36 min
